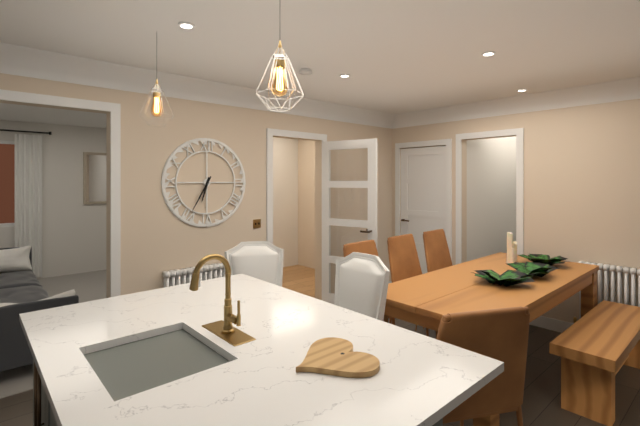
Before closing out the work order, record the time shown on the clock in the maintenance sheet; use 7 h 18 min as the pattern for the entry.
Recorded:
6 h 35 min
